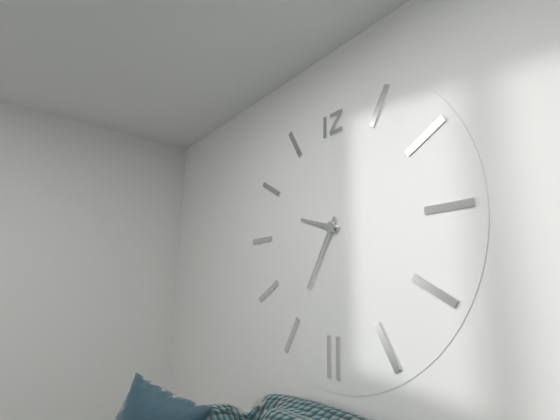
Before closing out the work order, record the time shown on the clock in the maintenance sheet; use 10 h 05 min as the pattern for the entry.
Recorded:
9 h 35 min
